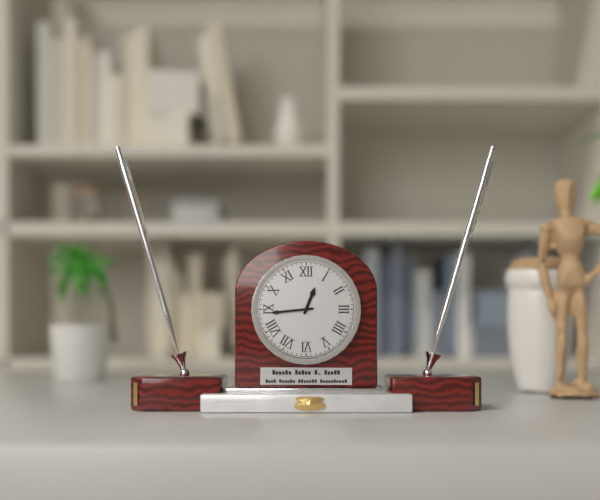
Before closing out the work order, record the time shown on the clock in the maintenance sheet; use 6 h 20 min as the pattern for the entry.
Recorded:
12 h 44 min
